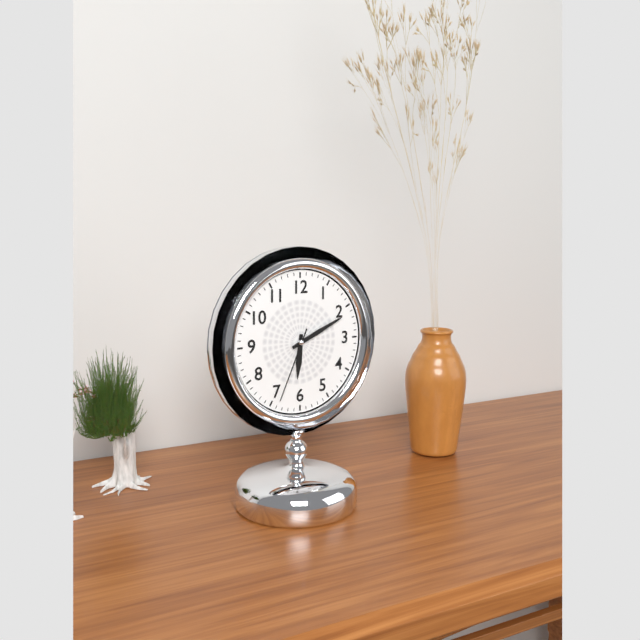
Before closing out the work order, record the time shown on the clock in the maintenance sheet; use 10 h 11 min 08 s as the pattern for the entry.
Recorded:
6 h 11 min 34 s
